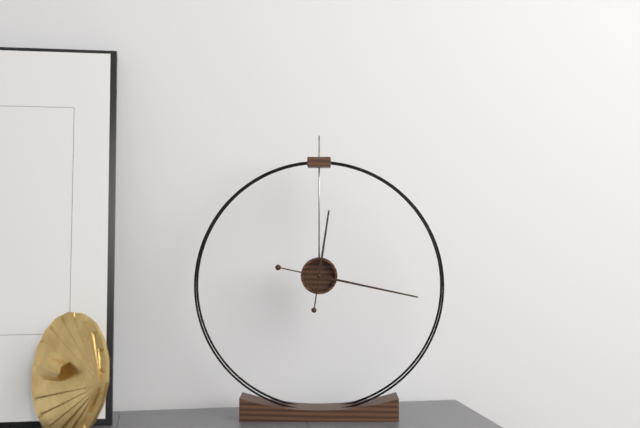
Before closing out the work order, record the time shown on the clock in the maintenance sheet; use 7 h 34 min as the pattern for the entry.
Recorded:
12 h 17 min
